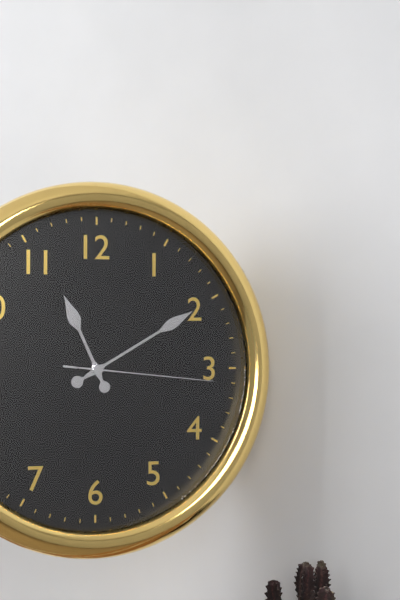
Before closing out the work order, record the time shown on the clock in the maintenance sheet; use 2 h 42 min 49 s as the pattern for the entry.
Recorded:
11 h 10 min 16 s
